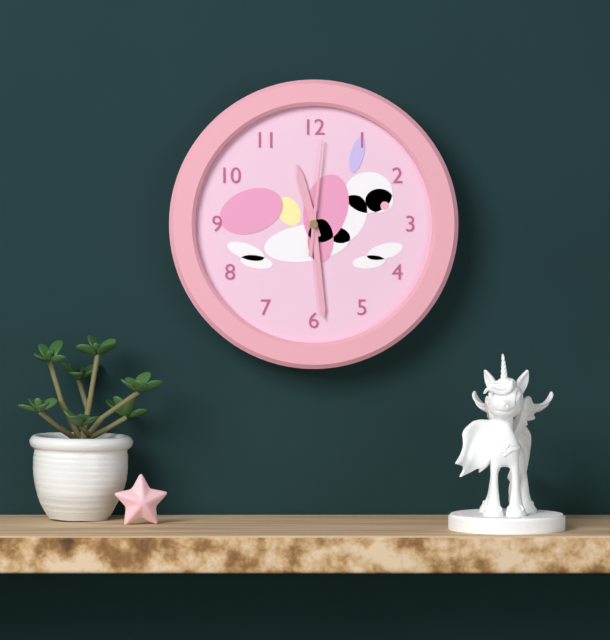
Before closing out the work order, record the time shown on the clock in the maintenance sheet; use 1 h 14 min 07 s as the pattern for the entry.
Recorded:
11 h 29 min 01 s
